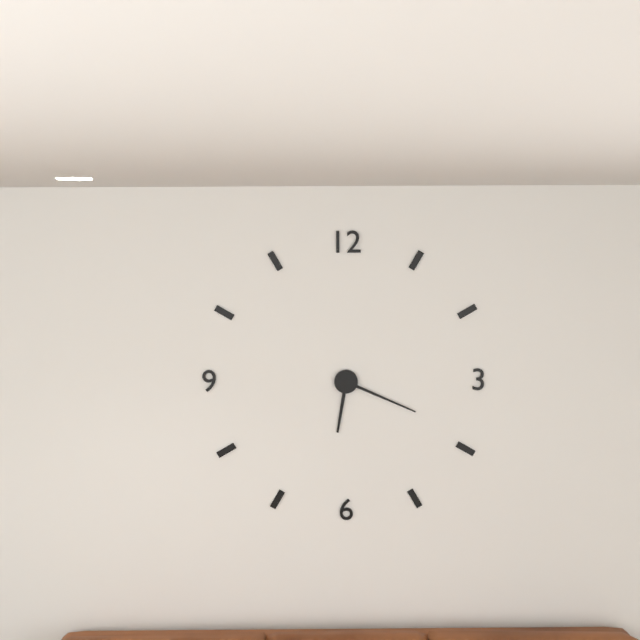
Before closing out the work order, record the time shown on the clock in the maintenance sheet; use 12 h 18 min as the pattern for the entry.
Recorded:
6 h 19 min
